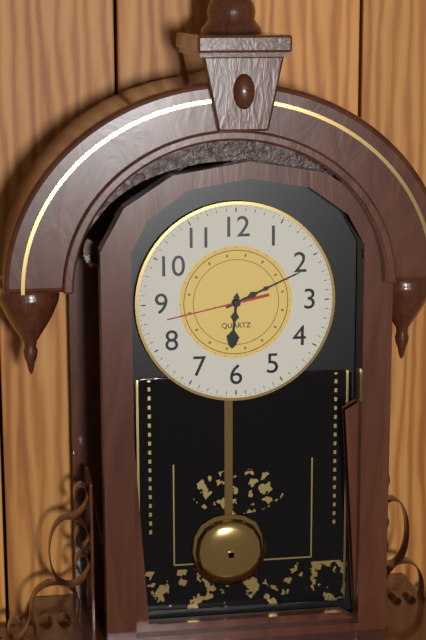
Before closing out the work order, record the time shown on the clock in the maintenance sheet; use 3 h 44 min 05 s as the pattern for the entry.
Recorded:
6 h 11 min 43 s
